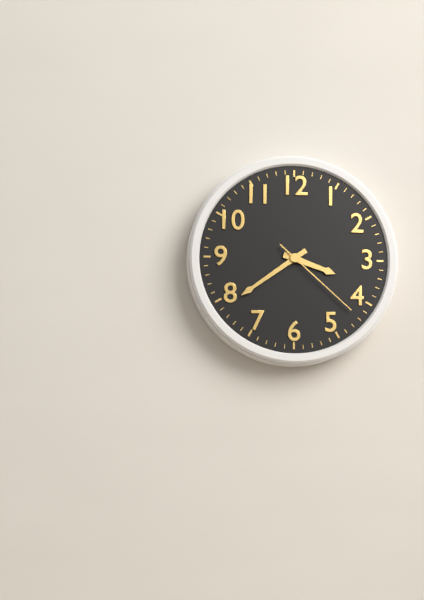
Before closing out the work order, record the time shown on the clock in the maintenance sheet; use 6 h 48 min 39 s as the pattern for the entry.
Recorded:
3 h 39 min 22 s
